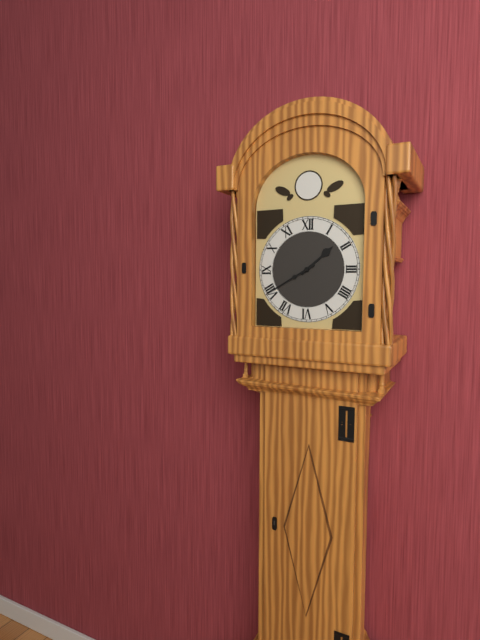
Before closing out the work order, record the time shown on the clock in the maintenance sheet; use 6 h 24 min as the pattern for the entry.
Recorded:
1 h 40 min
